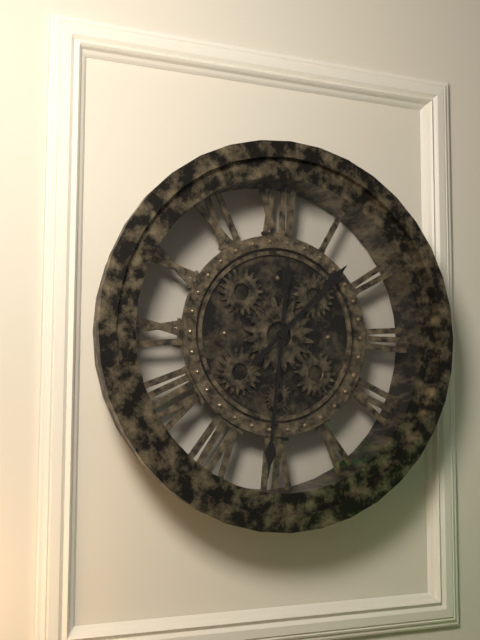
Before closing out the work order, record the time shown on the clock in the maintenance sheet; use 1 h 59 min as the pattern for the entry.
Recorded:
1 h 31 min
